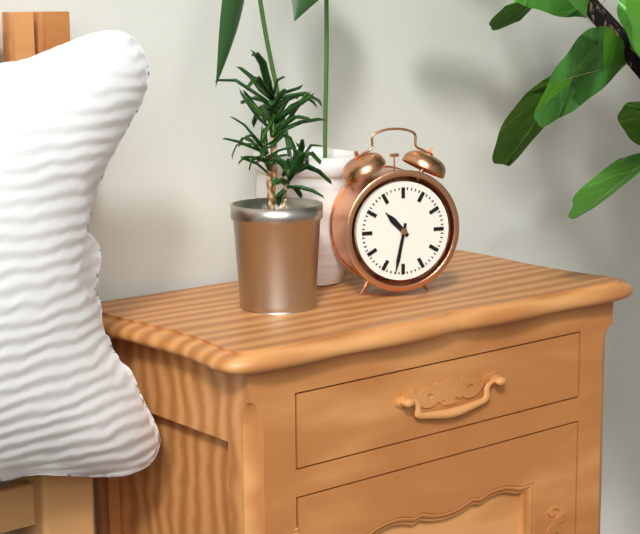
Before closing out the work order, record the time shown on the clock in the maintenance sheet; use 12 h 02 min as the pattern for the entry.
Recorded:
10 h 32 min
